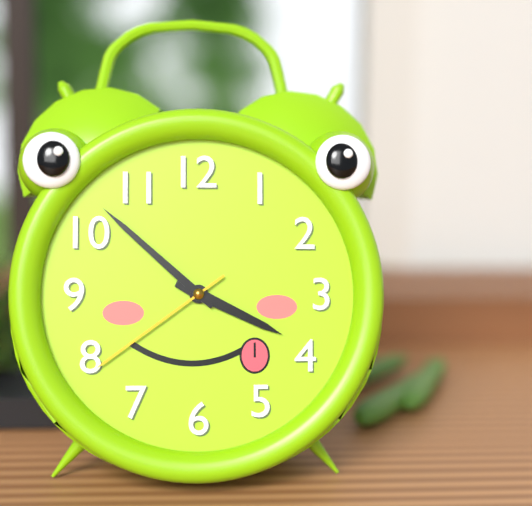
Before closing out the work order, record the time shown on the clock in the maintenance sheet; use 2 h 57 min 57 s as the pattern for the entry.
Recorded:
3 h 52 min 39 s
